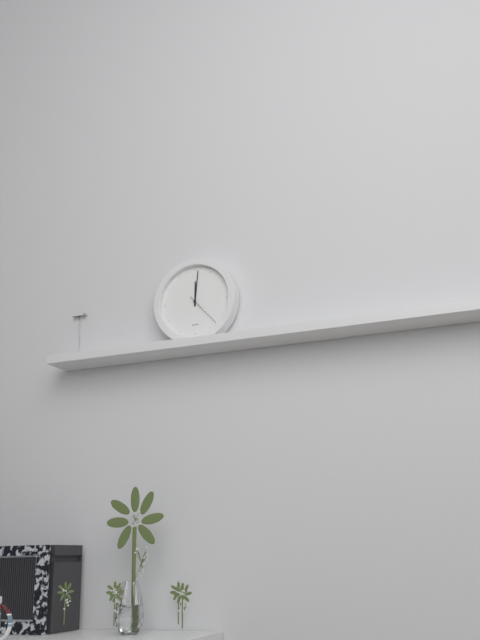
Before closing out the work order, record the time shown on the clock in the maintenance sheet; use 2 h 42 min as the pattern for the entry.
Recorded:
12 h 01 min
